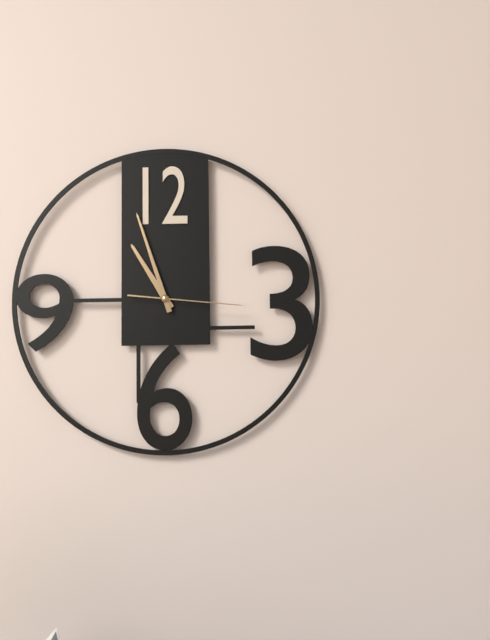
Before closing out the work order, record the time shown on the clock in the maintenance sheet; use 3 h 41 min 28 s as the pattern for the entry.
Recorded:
10 h 57 min 16 s
